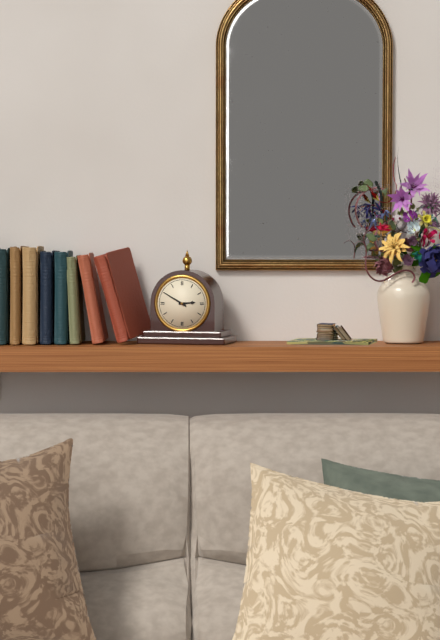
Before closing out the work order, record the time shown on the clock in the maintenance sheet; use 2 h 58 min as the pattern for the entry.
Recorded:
2 h 50 min
